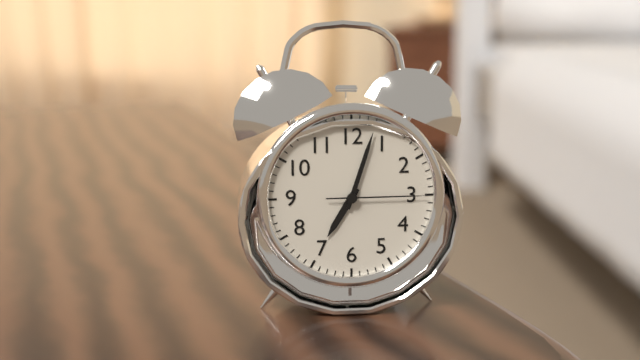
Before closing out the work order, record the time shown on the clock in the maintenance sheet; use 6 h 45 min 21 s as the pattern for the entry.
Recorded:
7 h 03 min 15 s
